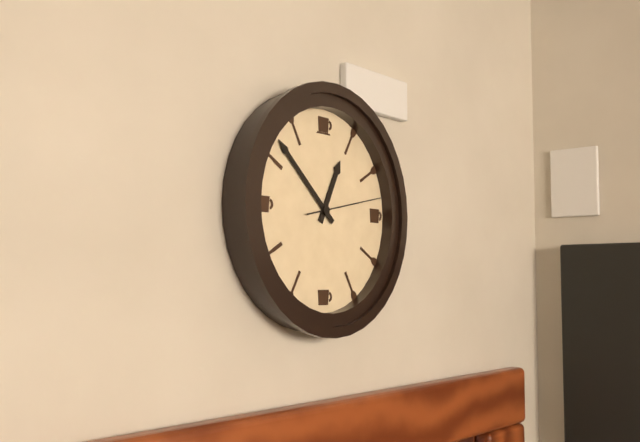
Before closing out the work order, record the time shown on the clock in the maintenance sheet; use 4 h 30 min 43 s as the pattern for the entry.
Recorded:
12 h 52 min 13 s
